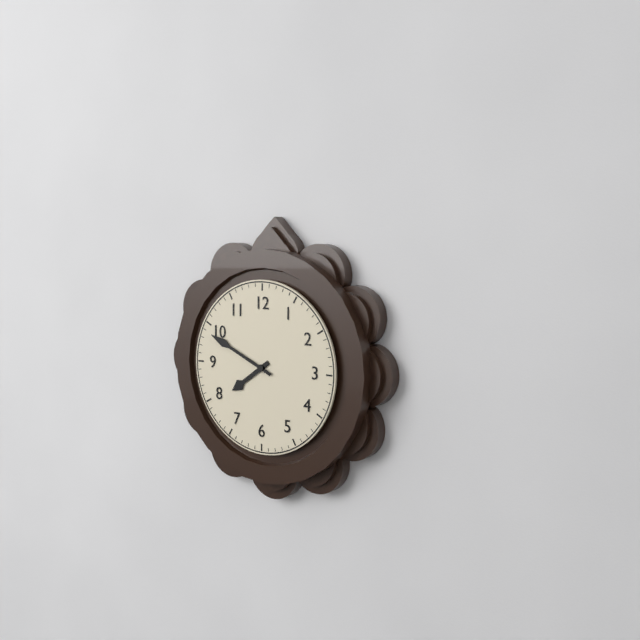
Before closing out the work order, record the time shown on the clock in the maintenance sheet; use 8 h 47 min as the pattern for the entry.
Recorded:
7 h 49 min
